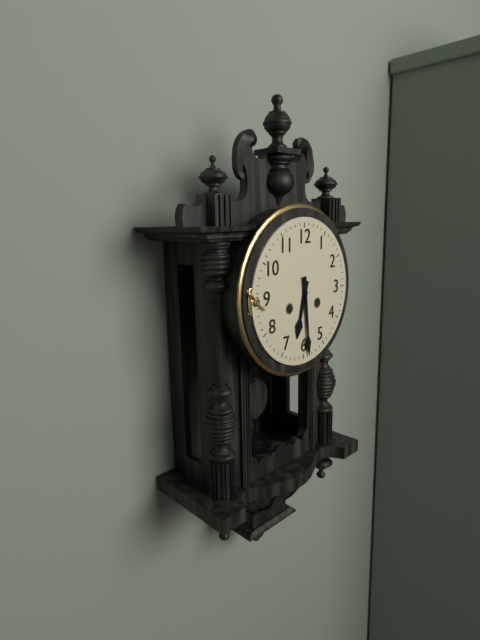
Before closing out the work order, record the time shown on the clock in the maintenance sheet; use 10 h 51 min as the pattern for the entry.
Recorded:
6 h 29 min
